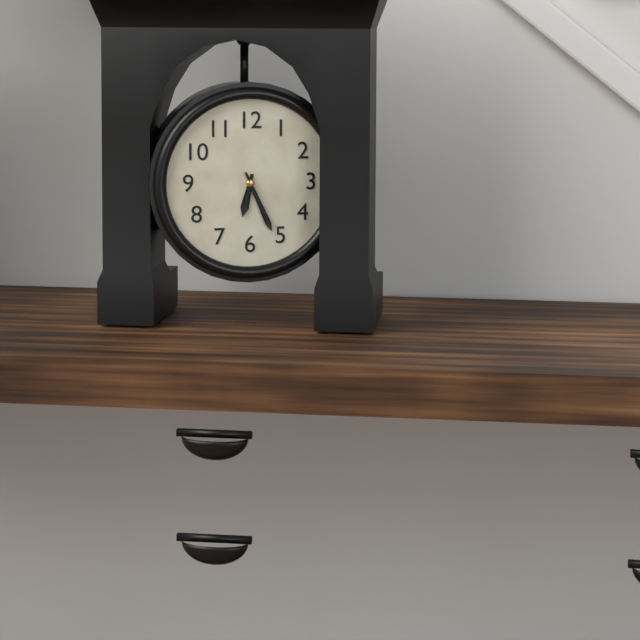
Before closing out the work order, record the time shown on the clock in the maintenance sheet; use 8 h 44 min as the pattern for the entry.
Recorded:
6 h 26 min
